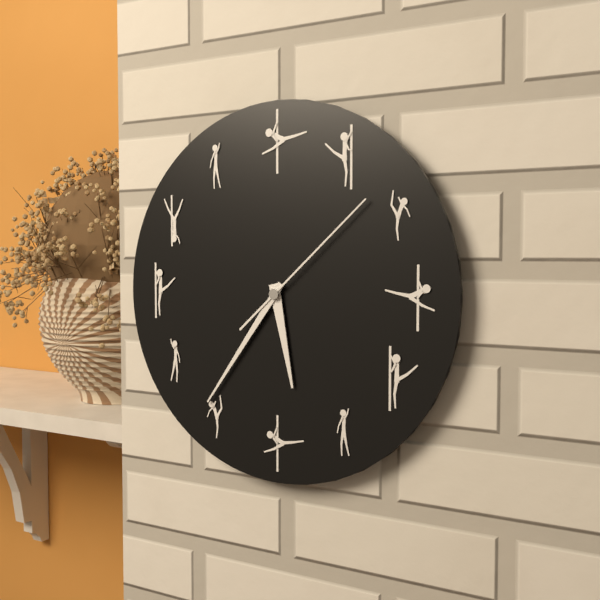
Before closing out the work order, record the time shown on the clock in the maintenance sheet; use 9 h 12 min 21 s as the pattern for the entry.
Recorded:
5 h 36 min 08 s
